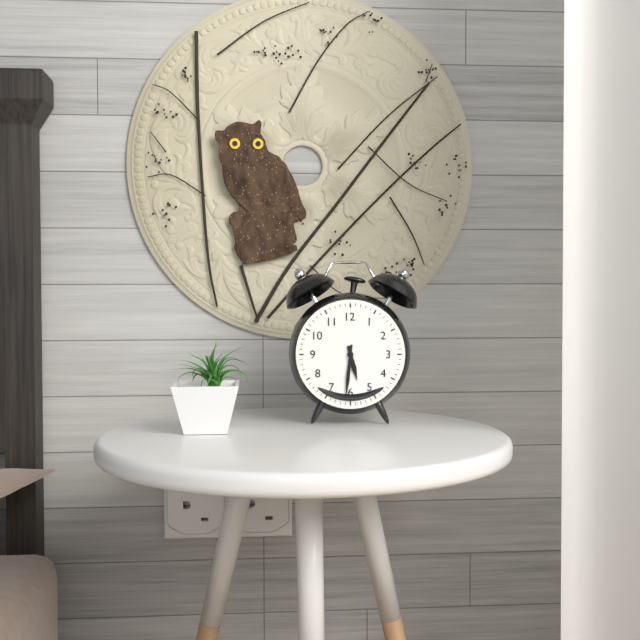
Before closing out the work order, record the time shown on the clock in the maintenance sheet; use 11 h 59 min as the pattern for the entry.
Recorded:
5 h 31 min
